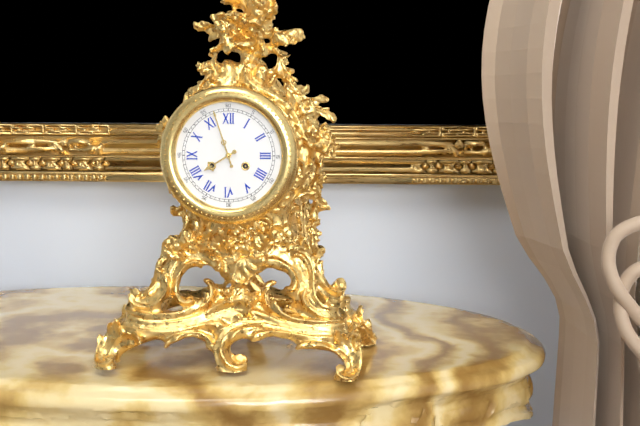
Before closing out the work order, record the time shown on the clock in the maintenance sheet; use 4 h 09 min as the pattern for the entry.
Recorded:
7 h 57 min
